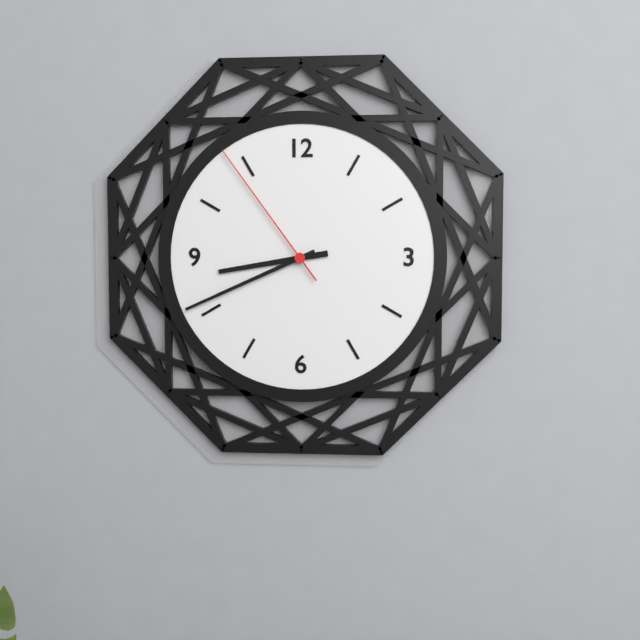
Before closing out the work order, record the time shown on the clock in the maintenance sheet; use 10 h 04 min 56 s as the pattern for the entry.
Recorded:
8 h 41 min 54 s
